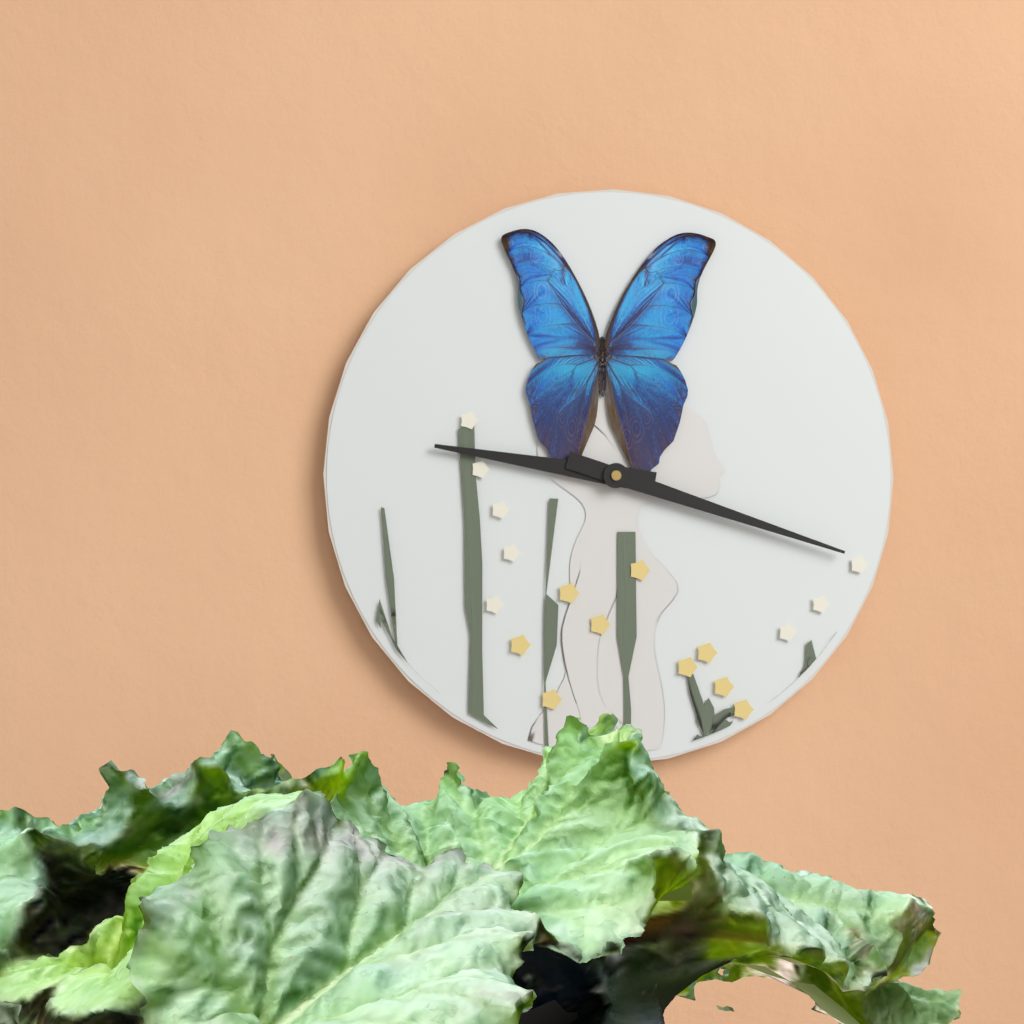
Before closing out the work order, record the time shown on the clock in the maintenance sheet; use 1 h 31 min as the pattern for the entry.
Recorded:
9 h 18 min
